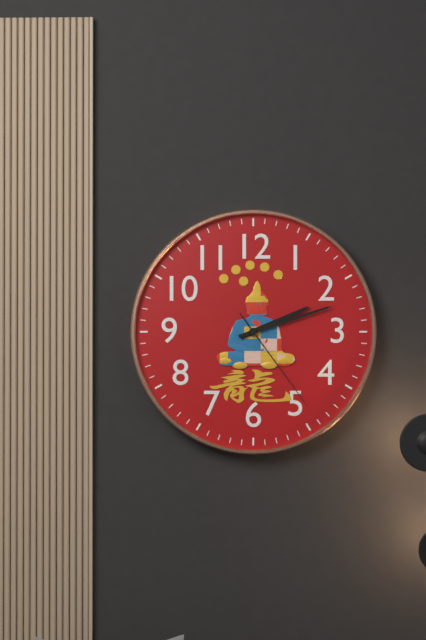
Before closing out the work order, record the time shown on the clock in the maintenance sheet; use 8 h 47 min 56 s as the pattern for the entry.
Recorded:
2 h 12 min 24 s
